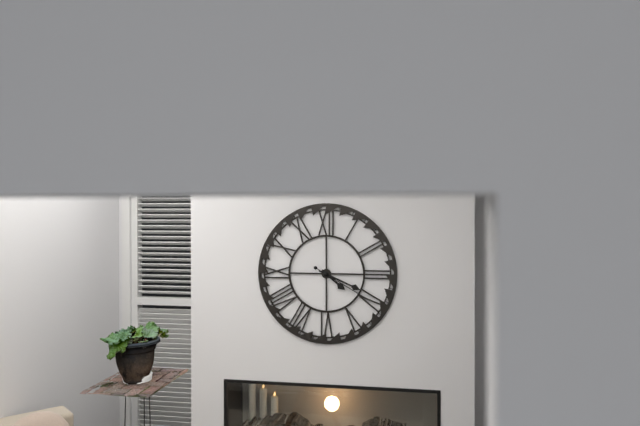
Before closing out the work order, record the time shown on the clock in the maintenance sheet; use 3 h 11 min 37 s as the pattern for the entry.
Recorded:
4 h 19 min 20 s
